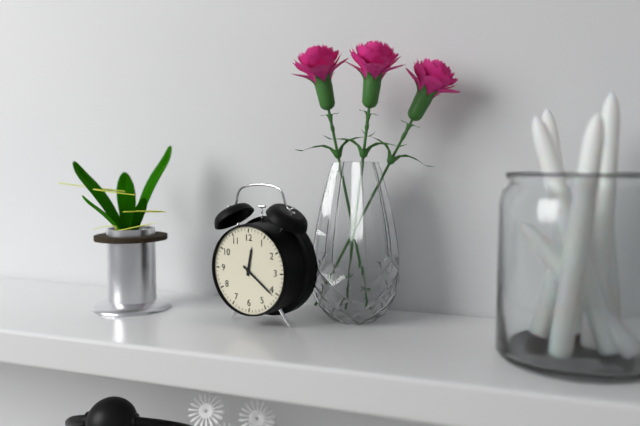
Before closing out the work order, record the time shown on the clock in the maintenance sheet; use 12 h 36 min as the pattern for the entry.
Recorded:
12 h 21 min
